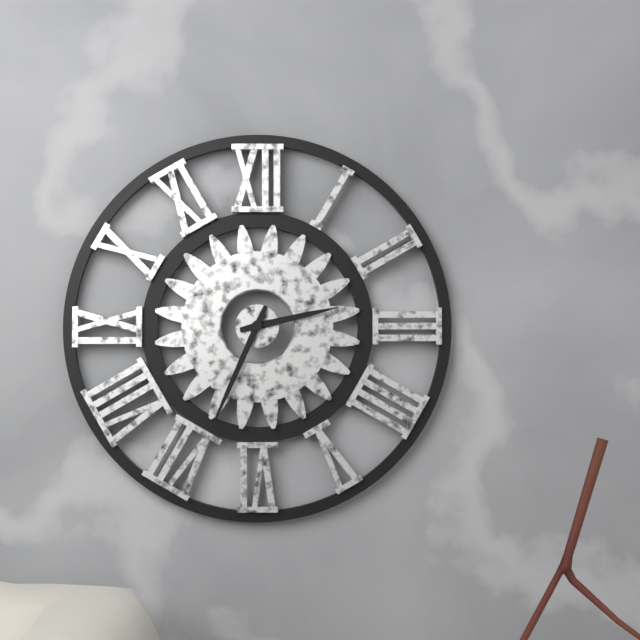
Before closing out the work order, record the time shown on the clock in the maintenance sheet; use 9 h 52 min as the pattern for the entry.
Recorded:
2 h 34 min
